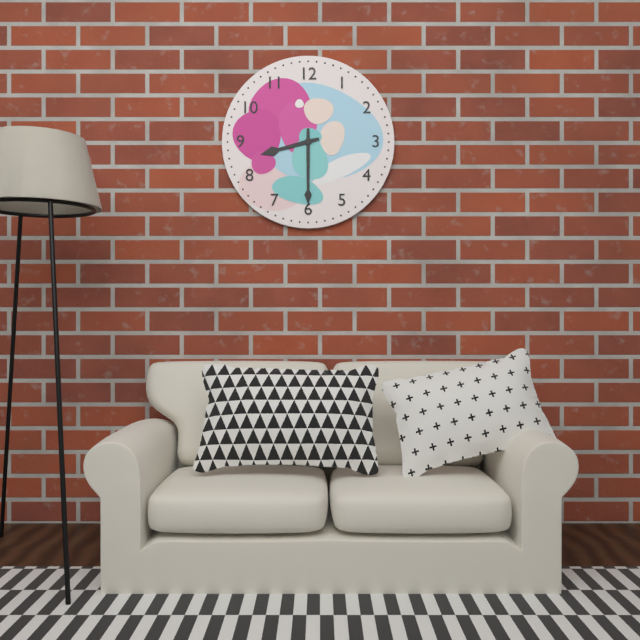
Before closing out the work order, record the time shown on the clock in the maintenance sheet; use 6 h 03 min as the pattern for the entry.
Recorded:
8 h 30 min
